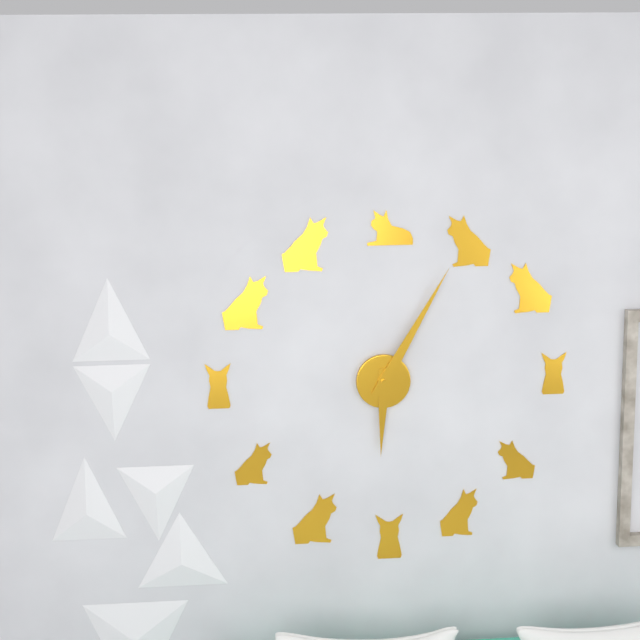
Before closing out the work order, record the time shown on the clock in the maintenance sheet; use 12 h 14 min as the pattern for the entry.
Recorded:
6 h 05 min
